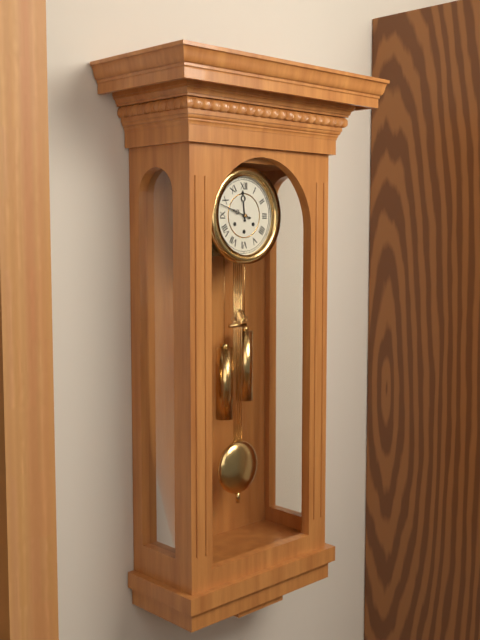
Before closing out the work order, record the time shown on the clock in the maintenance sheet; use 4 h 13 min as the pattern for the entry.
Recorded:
11 h 48 min
